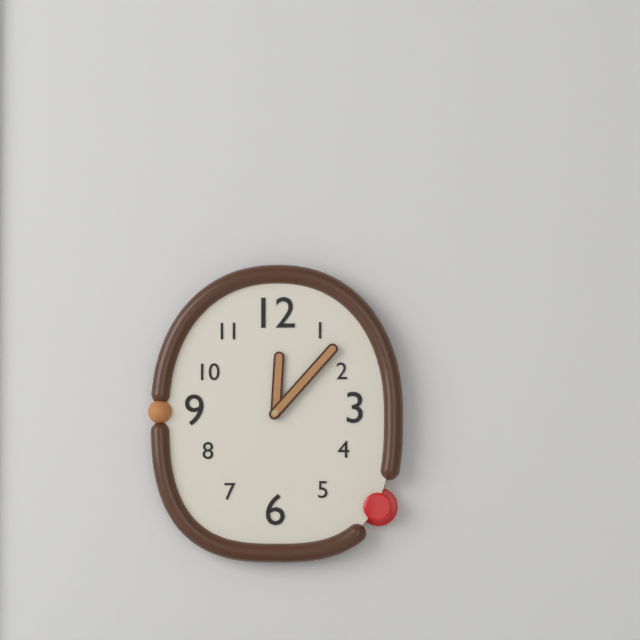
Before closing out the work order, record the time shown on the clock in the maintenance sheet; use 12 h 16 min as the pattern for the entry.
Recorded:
12 h 07 min
